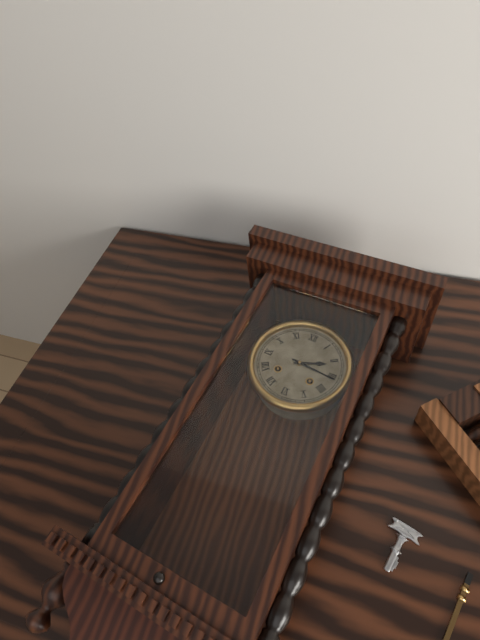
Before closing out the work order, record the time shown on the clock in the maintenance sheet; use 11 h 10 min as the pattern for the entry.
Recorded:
2 h 16 min
